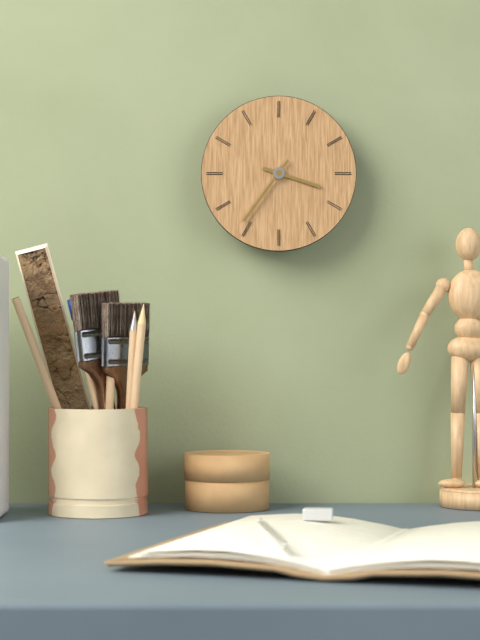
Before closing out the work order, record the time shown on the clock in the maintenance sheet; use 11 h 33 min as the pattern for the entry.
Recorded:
3 h 36 min
